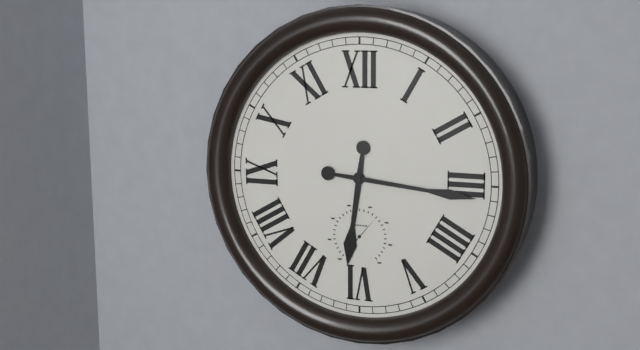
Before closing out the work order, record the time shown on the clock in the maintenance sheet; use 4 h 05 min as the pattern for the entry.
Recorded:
6 h 16 min
